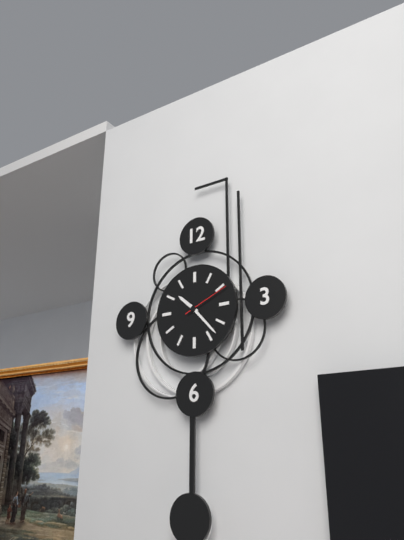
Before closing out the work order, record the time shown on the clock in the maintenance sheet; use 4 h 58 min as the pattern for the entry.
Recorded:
10 h 23 min
